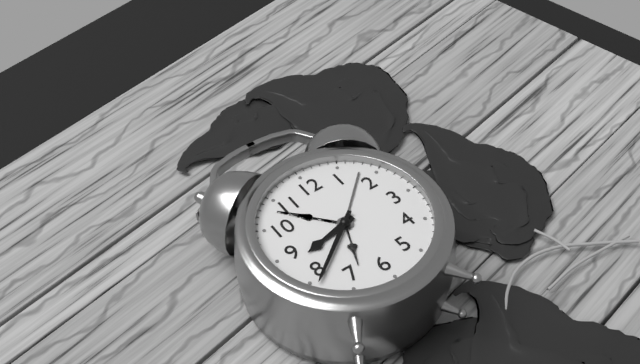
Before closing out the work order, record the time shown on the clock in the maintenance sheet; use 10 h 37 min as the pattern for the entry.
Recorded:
8 h 39 min
